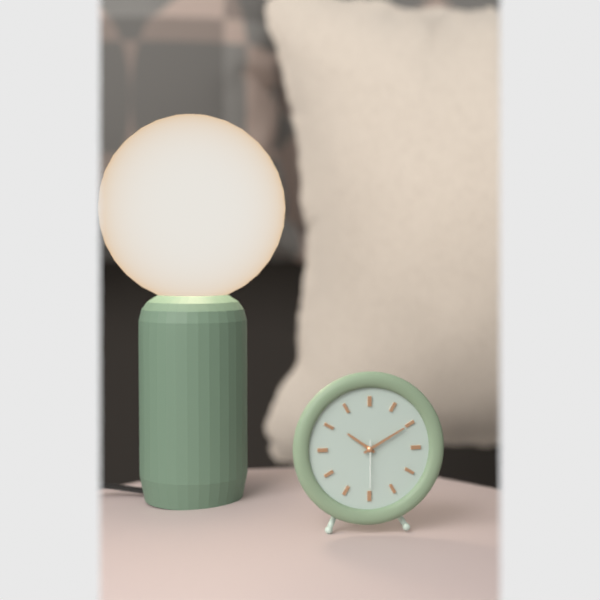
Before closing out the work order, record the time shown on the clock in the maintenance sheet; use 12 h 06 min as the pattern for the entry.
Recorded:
10 h 10 min
